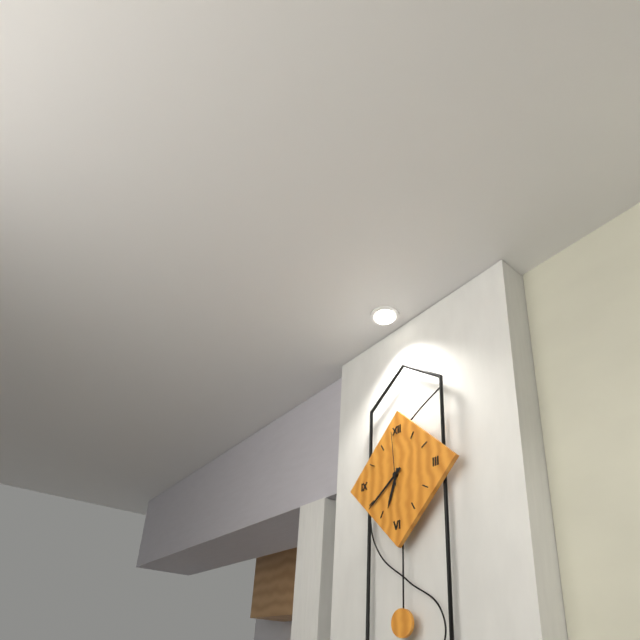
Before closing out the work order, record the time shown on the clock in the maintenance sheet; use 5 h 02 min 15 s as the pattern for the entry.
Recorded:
6 h 39 min 59 s
